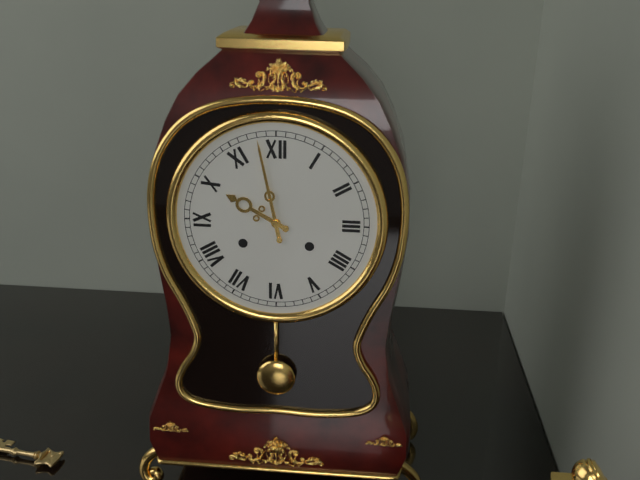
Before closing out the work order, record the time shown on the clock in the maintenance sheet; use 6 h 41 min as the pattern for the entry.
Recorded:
9 h 58 min
